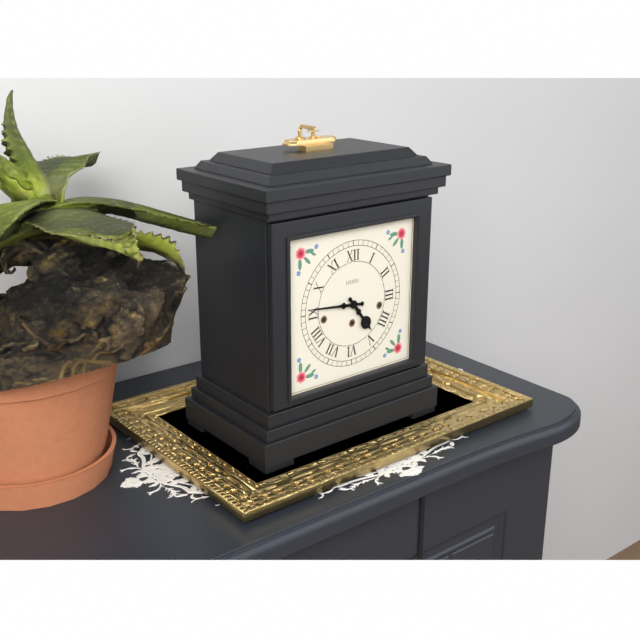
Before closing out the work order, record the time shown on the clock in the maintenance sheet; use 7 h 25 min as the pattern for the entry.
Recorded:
4 h 46 min
